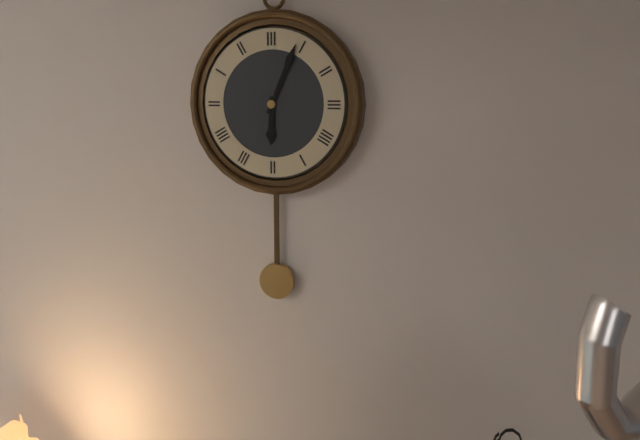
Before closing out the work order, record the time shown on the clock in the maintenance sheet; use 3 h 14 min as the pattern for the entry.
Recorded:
6 h 04 min
